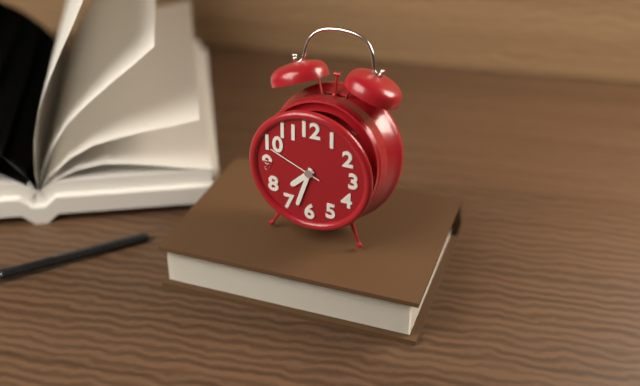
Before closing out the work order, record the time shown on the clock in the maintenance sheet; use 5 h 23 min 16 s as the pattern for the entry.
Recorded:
7 h 33 min 49 s
